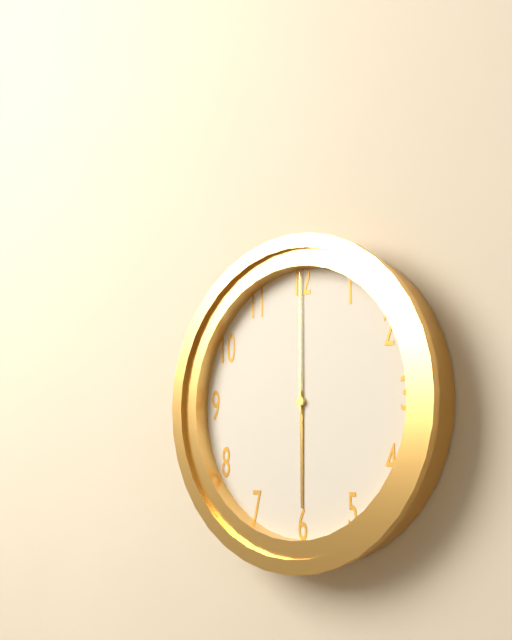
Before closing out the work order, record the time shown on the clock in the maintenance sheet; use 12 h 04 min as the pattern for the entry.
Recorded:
6 h 00 min
